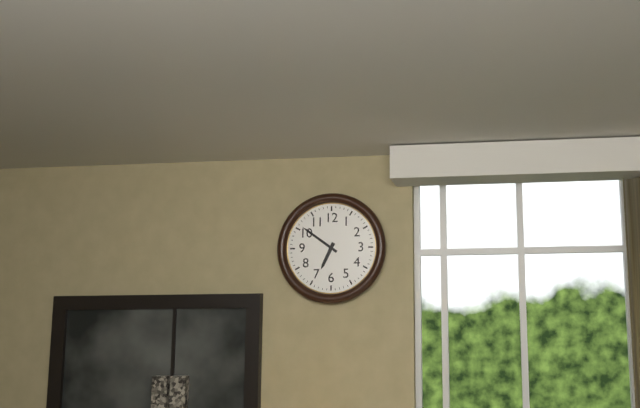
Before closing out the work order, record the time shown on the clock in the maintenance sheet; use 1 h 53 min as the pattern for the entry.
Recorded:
6 h 51 min
